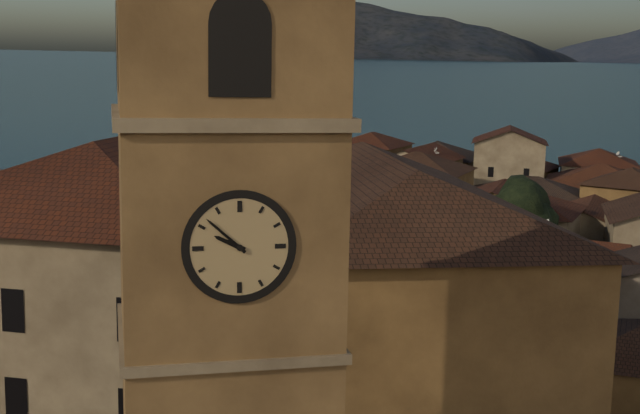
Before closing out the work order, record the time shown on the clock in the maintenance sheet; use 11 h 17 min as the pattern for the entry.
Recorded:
9 h 52 min
